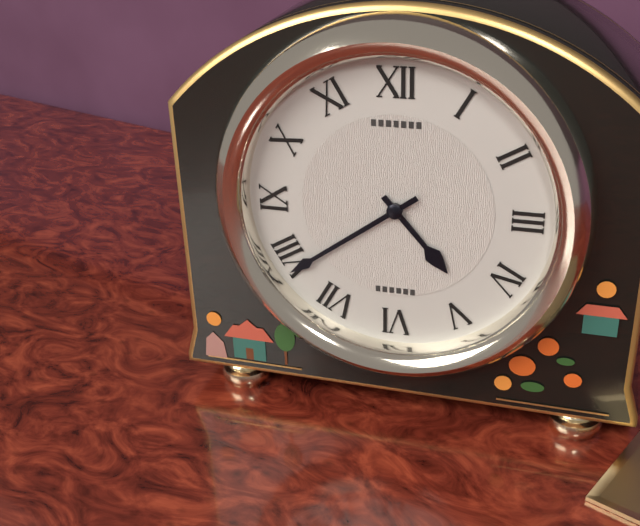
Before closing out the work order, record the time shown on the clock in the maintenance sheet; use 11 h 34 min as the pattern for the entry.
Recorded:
4 h 39 min
